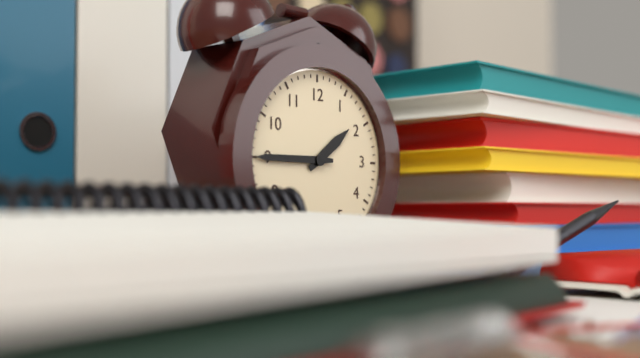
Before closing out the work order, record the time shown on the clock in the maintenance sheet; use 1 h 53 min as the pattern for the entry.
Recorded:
1 h 45 min
